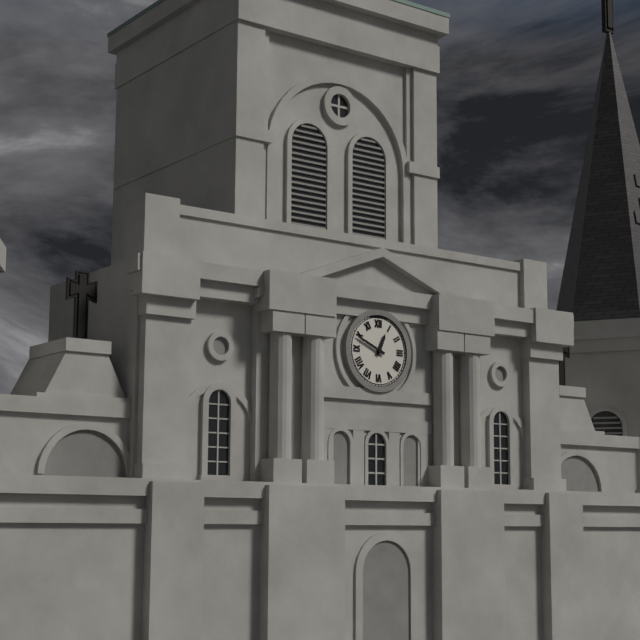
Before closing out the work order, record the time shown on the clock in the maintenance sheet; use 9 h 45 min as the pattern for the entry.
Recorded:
12 h 49 min
